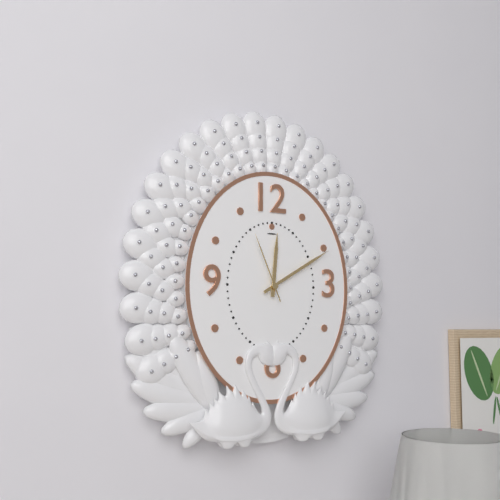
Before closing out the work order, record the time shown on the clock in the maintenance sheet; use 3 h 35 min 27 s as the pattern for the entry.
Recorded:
12 h 10 min 56 s
